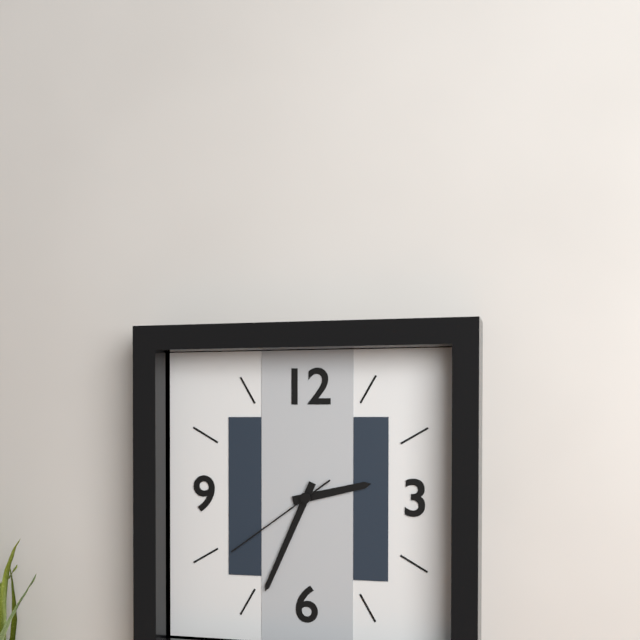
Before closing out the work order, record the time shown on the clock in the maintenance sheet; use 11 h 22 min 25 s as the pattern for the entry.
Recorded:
2 h 34 min 39 s
